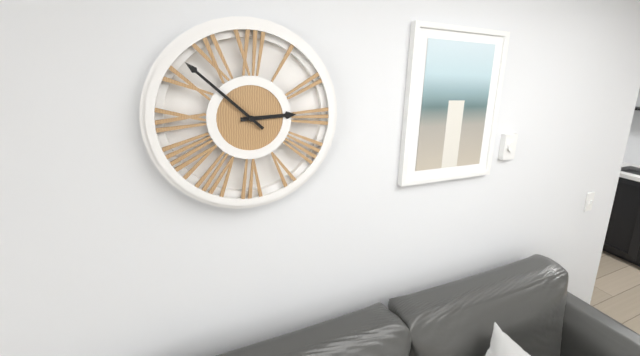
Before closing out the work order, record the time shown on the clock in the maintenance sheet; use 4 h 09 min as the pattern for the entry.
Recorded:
2 h 52 min
